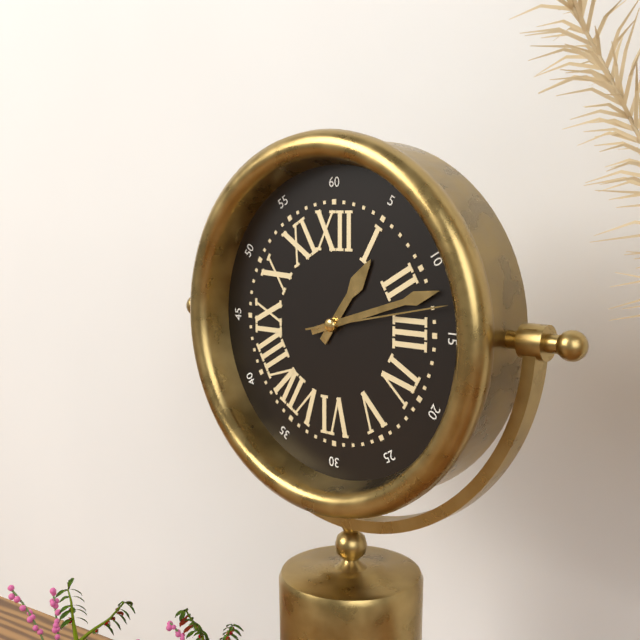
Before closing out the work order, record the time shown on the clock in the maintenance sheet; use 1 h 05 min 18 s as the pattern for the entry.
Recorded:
1 h 12 min 13 s
